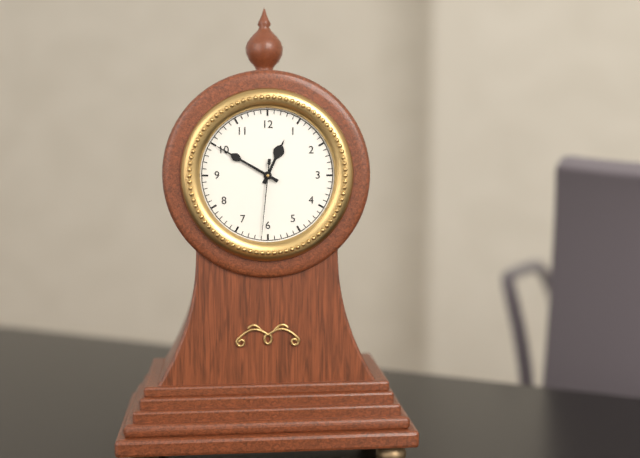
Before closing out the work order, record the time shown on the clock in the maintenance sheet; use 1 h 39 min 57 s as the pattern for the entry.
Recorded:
12 h 50 min 31 s
